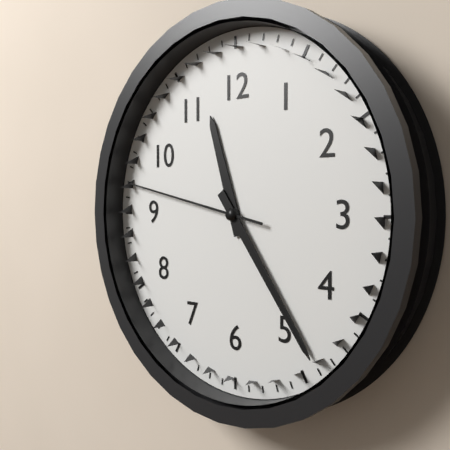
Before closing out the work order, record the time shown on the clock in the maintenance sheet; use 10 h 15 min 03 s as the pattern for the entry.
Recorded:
11 h 24 min 47 s
